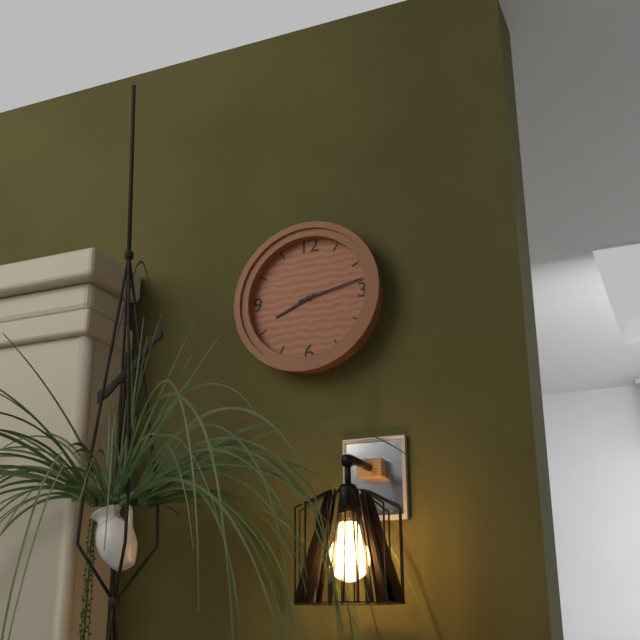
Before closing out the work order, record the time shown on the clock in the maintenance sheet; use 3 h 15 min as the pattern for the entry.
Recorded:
8 h 13 min
